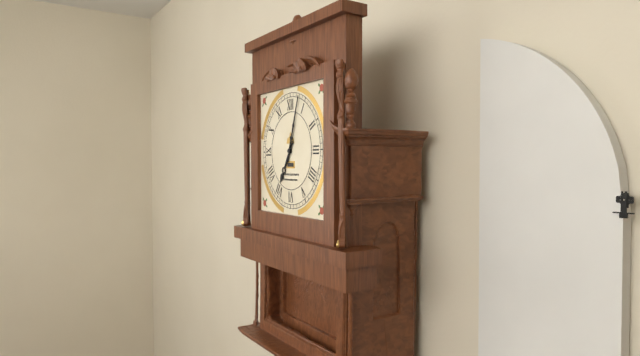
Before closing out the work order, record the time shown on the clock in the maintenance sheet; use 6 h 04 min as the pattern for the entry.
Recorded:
7 h 03 min
